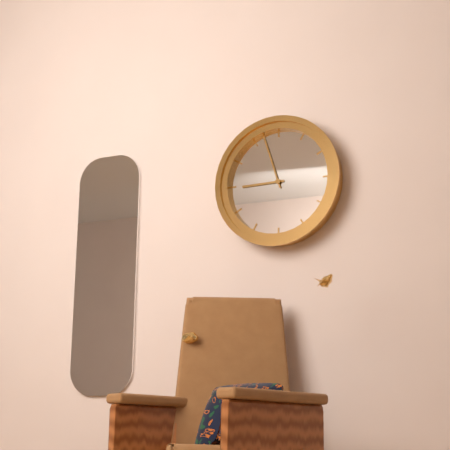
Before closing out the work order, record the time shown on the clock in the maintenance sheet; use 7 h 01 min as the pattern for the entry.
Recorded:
8 h 57 min
